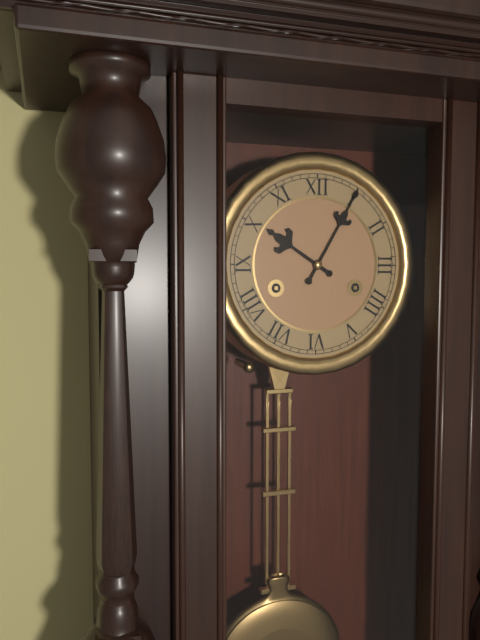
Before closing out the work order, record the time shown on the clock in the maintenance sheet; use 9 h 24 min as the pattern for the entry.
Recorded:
10 h 05 min
